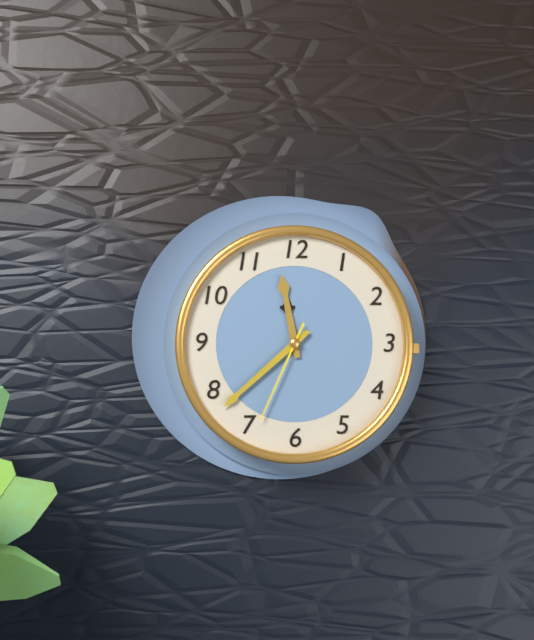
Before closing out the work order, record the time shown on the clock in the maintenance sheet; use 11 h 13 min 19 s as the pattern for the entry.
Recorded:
11 h 38 min 34 s
